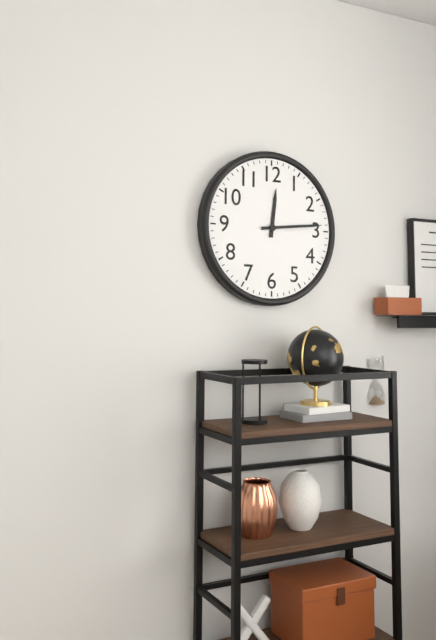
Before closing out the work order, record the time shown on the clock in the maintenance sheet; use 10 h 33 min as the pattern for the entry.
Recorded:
12 h 14 min
